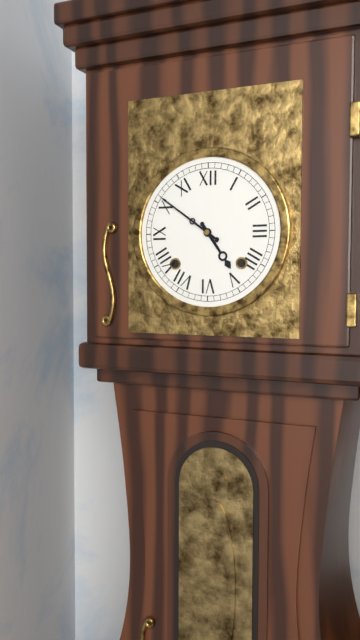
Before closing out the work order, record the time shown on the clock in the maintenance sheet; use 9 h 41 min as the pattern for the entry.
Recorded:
4 h 51 min
